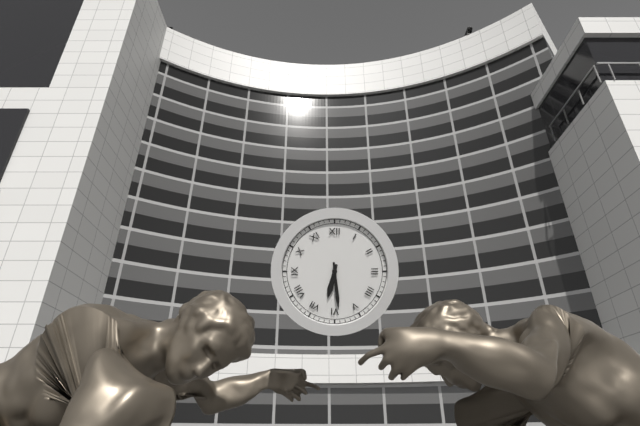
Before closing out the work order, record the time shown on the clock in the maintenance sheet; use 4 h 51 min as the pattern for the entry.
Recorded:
6 h 29 min
